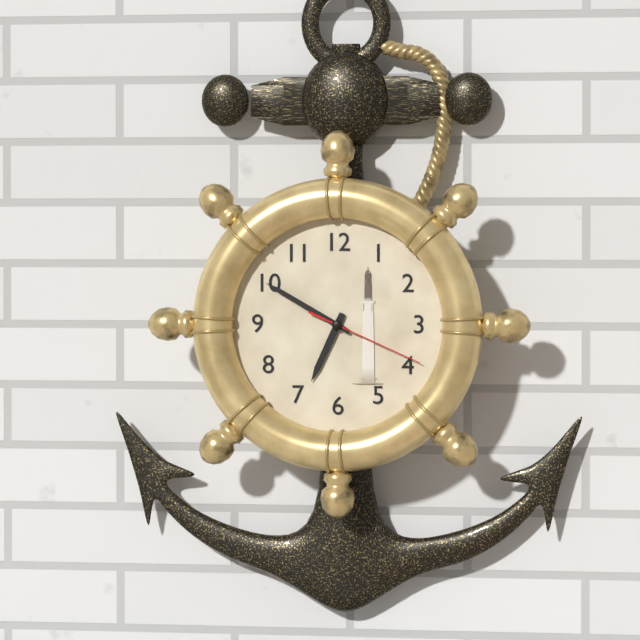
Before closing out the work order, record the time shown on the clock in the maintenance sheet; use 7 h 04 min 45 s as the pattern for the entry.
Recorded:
6 h 50 min 19 s
